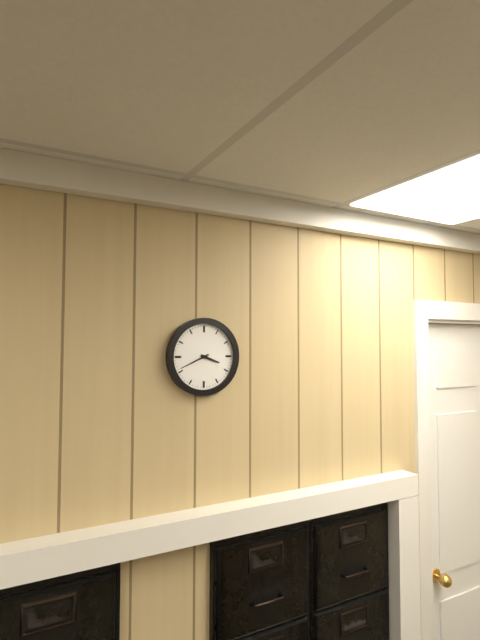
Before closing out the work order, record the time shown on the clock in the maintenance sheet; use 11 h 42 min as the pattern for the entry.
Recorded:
3 h 41 min
